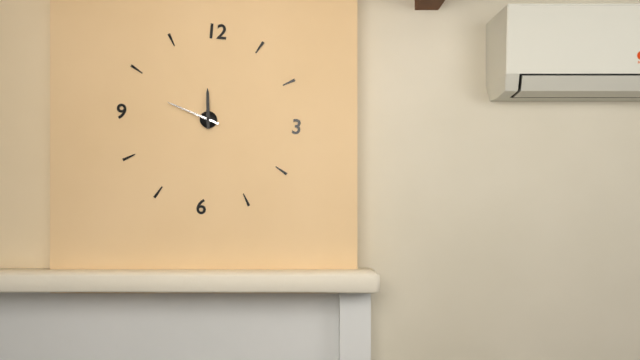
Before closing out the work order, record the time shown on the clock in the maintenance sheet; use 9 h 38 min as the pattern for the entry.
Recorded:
11 h 48 min
